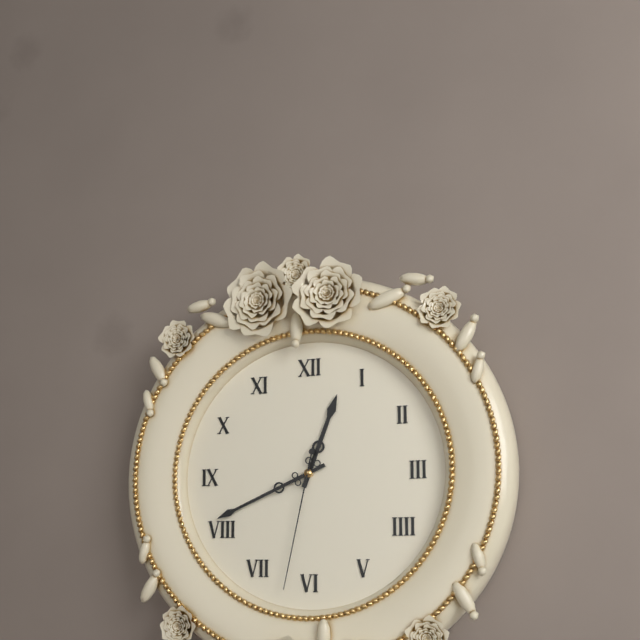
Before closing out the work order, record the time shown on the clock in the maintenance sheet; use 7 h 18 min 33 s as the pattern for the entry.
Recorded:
12 h 41 min 32 s
